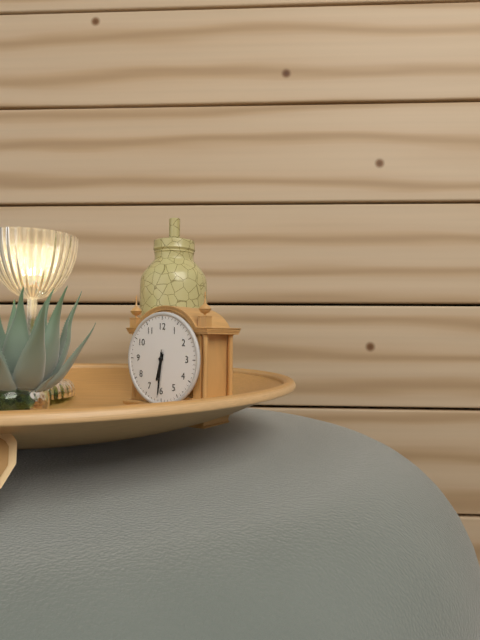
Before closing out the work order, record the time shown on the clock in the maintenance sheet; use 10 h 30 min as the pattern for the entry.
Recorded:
6 h 31 min
